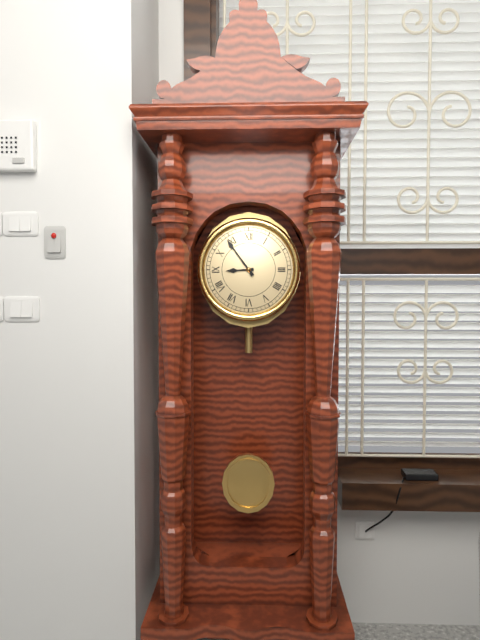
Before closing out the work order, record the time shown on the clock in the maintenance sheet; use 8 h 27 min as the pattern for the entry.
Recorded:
8 h 54 min
